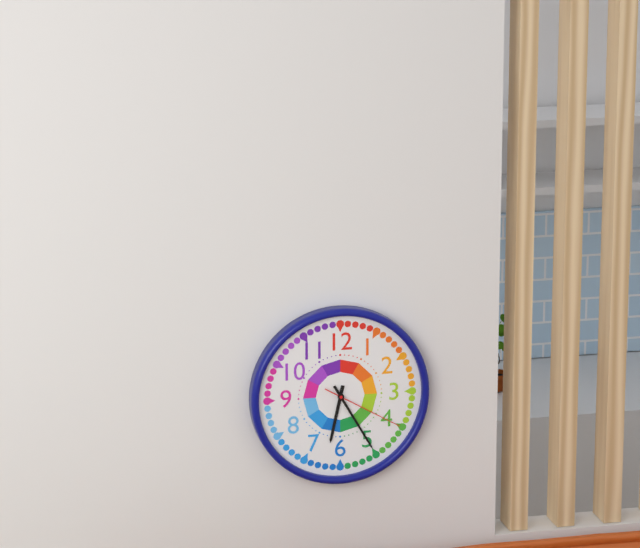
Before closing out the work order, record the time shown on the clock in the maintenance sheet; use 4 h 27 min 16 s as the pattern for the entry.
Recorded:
6 h 25 min 20 s
